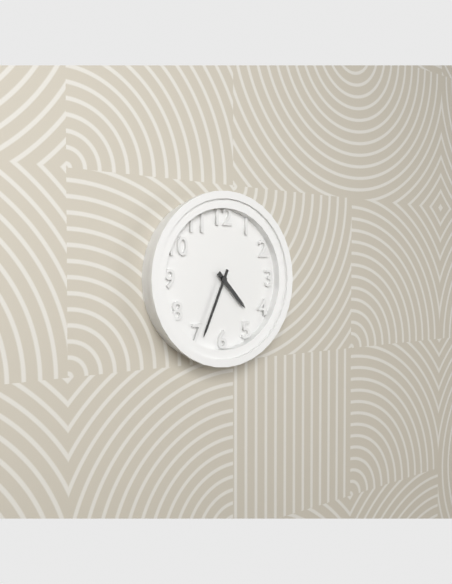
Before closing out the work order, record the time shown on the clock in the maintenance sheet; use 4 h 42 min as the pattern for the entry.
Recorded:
4 h 34 min
